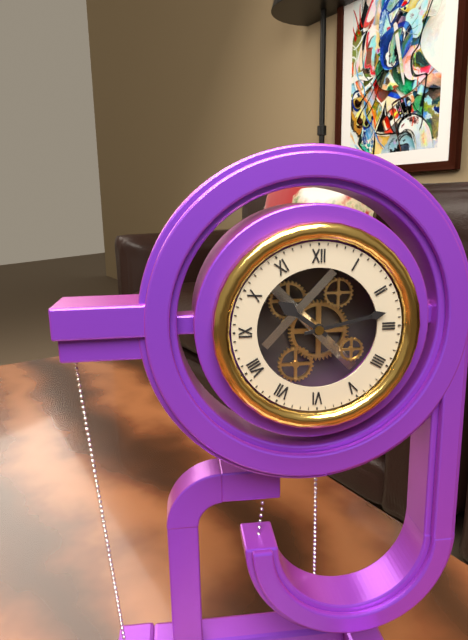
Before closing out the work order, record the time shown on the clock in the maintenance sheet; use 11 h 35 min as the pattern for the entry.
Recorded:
10 h 13 min
